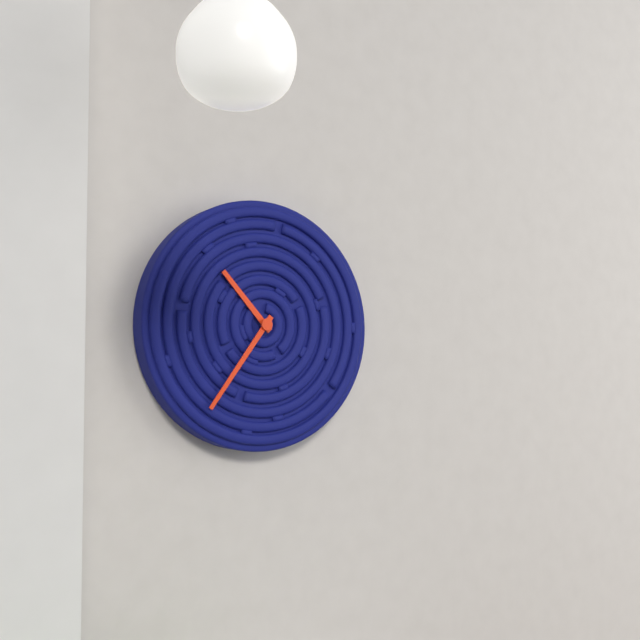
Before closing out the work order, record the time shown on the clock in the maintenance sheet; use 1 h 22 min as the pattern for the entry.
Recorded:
10 h 36 min
